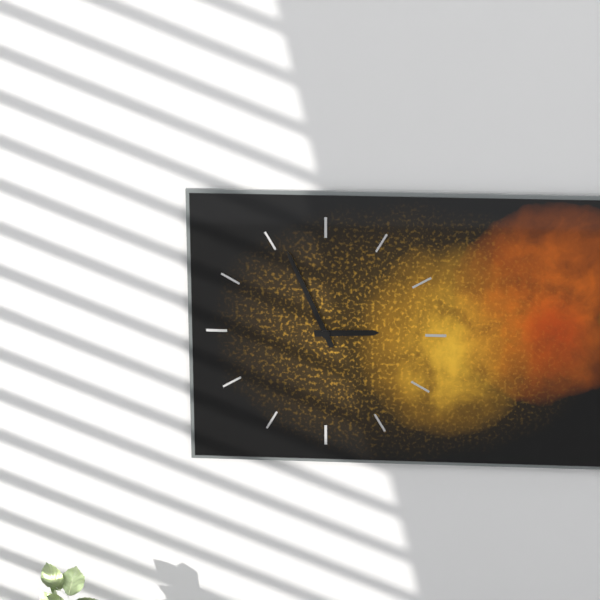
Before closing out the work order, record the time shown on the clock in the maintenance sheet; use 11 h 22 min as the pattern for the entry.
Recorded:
2 h 56 min
